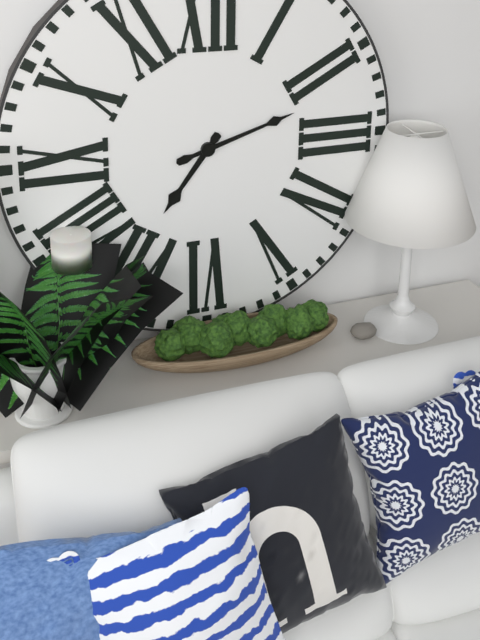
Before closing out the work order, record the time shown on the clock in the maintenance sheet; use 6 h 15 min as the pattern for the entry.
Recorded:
7 h 12 min
